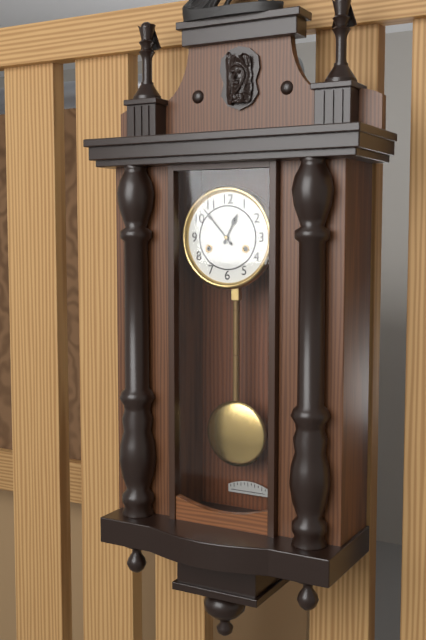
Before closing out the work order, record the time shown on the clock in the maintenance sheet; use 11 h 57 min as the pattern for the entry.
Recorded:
12 h 53 min
